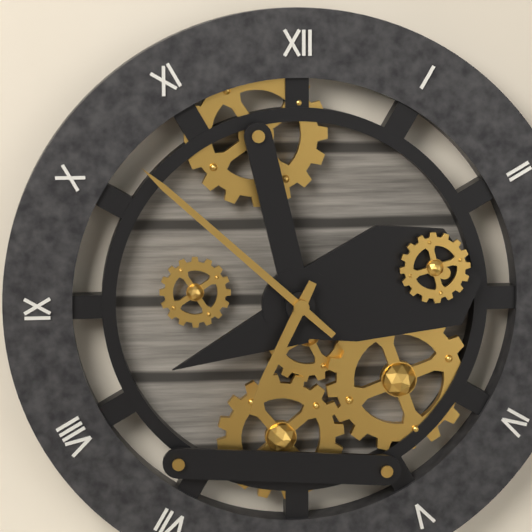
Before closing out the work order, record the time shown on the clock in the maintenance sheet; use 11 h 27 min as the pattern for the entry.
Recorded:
6 h 52 min
